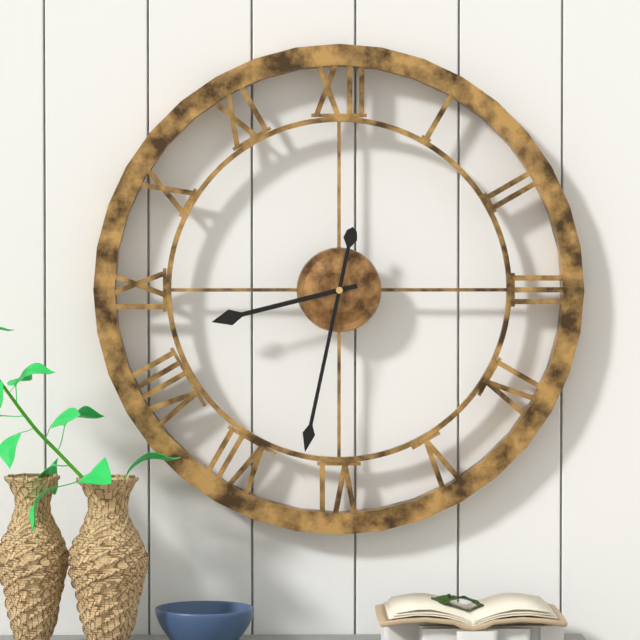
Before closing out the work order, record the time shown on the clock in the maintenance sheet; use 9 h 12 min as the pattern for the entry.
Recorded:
8 h 32 min
